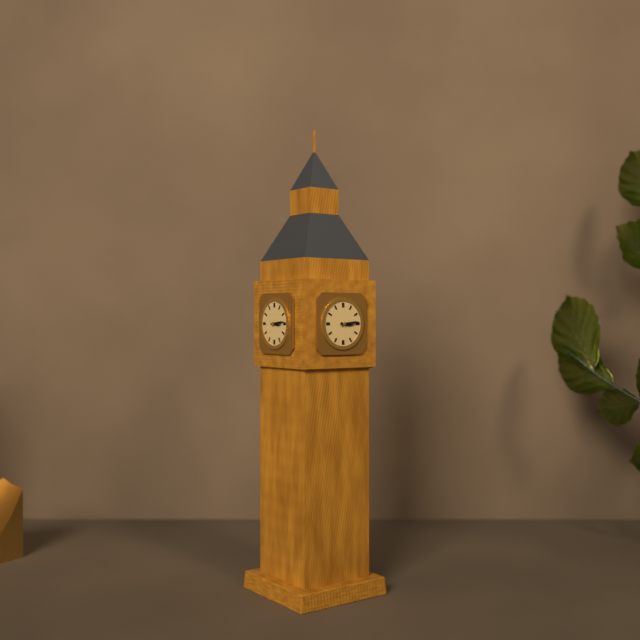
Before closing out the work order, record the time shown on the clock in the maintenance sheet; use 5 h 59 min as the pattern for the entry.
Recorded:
3 h 14 min
